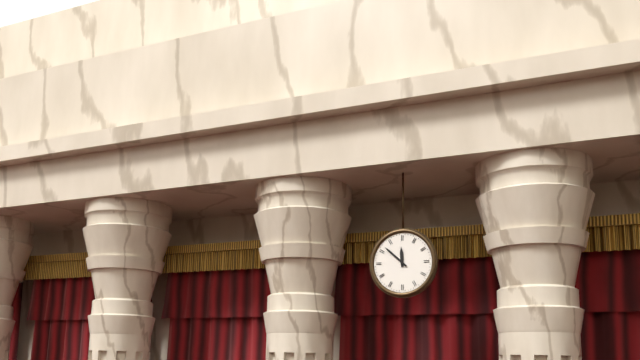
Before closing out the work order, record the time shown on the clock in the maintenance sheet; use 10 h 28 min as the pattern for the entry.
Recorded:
11 h 52 min
